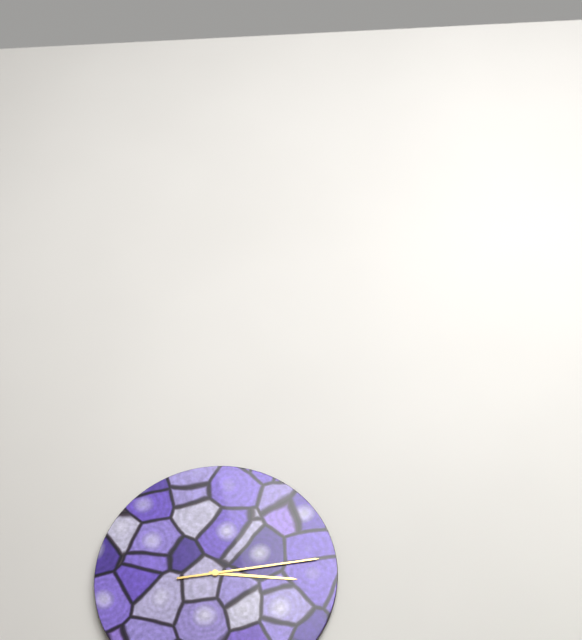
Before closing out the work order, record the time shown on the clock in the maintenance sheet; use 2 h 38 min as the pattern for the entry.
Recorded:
3 h 14 min
